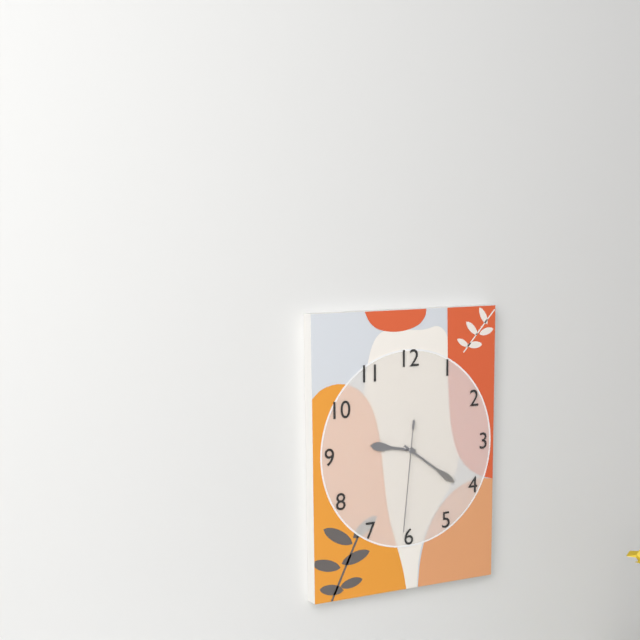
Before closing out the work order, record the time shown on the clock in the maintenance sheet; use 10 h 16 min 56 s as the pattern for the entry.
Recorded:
9 h 21 min 31 s
